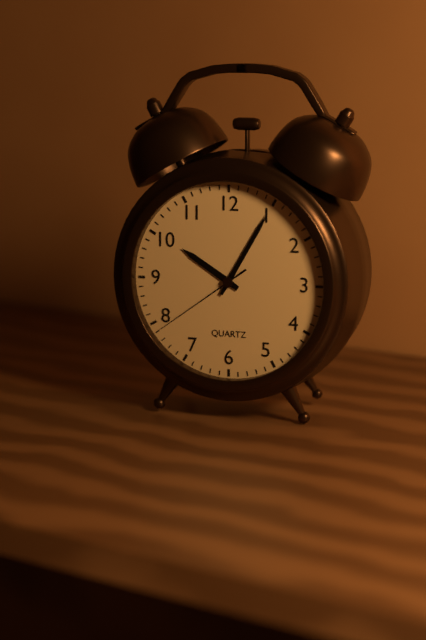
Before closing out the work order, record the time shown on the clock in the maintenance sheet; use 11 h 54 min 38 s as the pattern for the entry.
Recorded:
10 h 05 min 39 s
